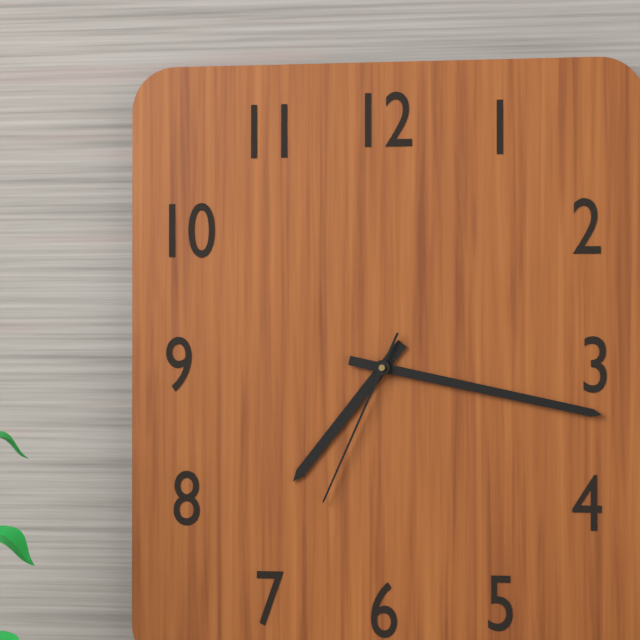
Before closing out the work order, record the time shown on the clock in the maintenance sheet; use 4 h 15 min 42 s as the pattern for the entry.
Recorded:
7 h 17 min 34 s
